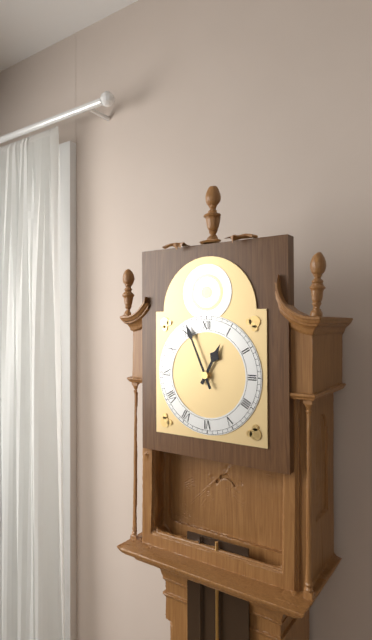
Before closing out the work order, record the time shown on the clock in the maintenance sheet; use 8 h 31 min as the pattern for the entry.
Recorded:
12 h 56 min
